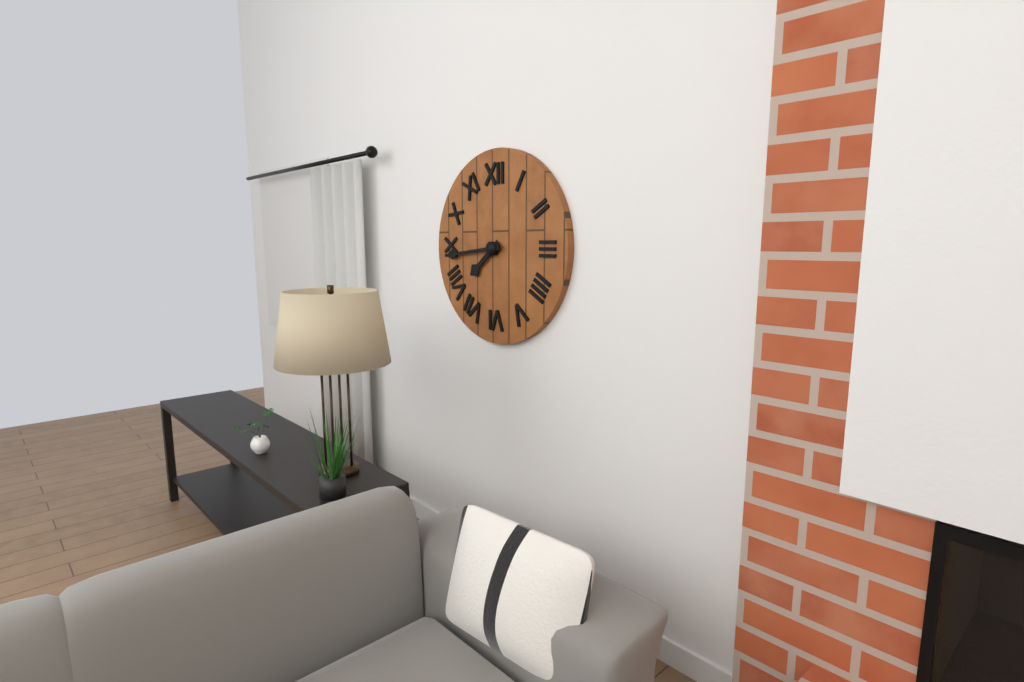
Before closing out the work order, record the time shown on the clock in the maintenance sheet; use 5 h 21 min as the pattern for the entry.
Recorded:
7 h 44 min
